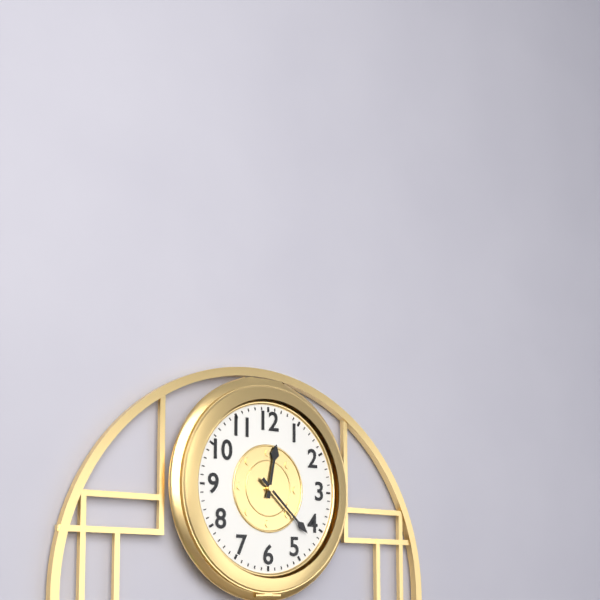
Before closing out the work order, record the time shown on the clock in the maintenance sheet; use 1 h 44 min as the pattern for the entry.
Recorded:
12 h 22 min
